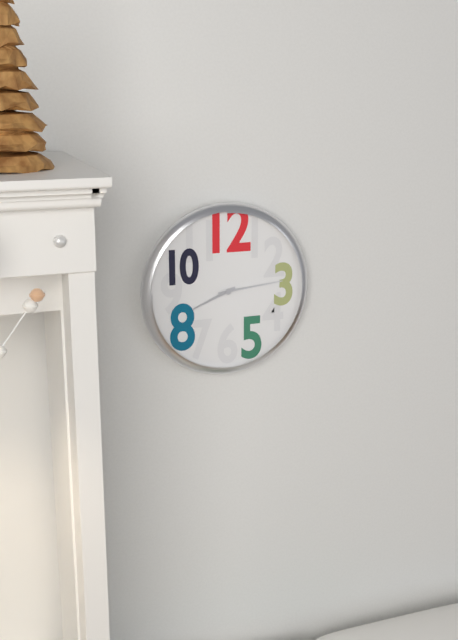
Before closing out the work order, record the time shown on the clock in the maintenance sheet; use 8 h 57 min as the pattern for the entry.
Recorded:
8 h 14 min
